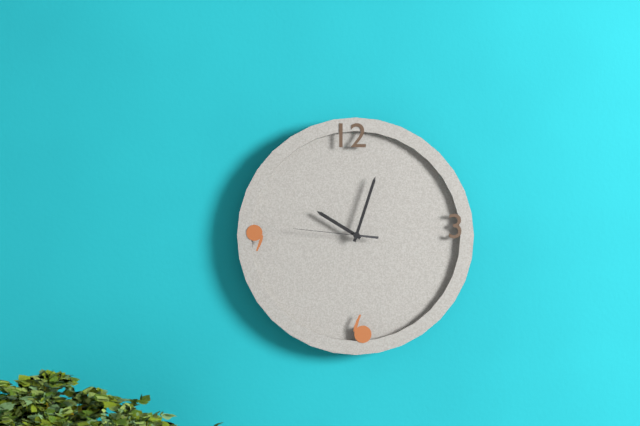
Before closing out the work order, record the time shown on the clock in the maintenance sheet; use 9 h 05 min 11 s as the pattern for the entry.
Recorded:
10 h 03 min 46 s
